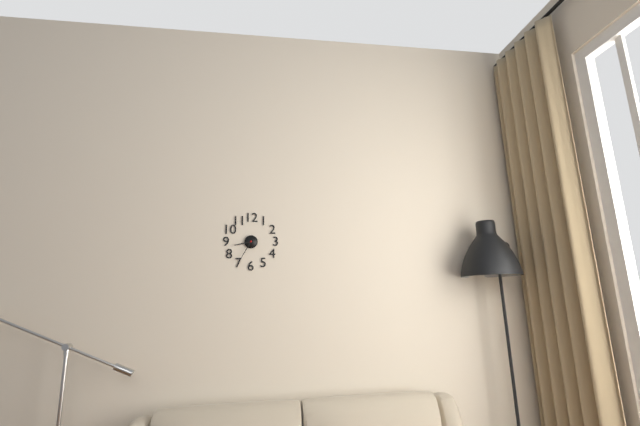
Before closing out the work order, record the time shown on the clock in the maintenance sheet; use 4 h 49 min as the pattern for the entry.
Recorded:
8 h 35 min
